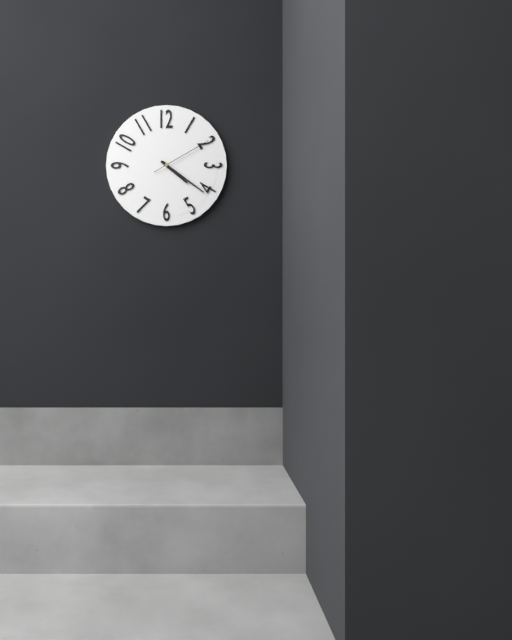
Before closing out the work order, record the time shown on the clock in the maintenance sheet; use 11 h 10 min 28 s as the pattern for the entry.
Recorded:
4 h 21 min 10 s
